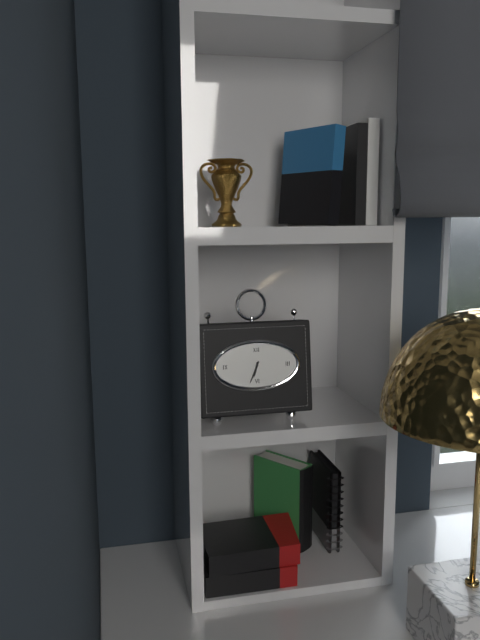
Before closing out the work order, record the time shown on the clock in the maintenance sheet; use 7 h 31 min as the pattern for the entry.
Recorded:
6 h 34 min
